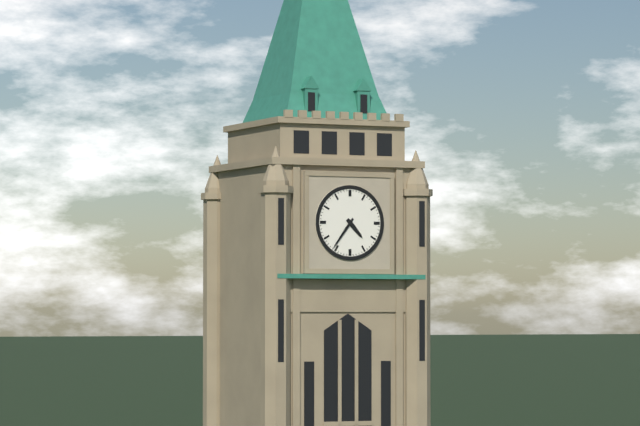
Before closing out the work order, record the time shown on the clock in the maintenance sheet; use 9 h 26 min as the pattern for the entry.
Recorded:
4 h 36 min
